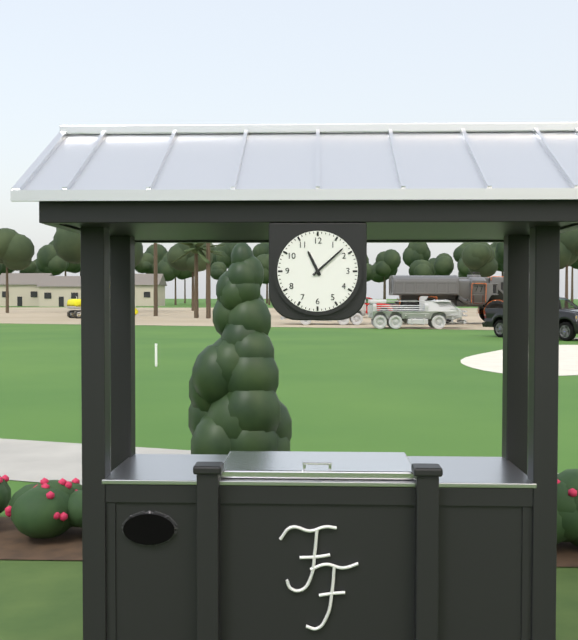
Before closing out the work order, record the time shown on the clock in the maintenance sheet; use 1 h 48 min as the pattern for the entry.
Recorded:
11 h 08 min
